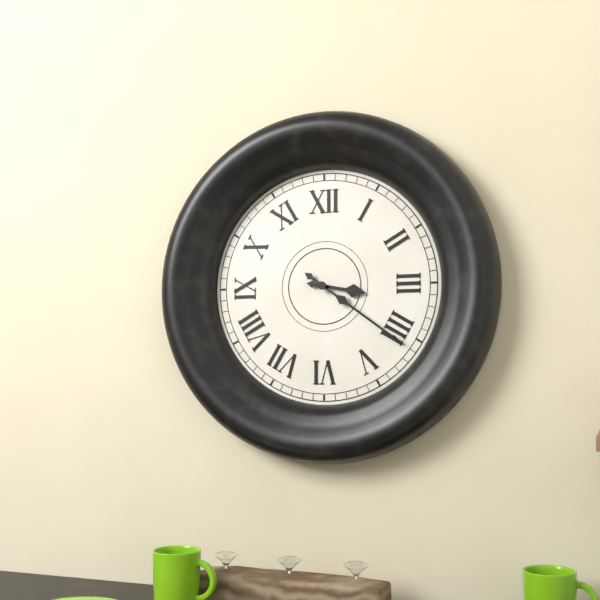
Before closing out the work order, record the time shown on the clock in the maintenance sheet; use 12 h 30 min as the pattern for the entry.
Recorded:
3 h 21 min
